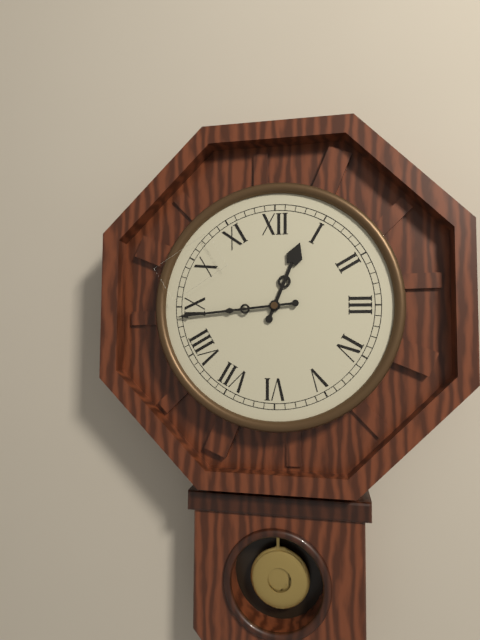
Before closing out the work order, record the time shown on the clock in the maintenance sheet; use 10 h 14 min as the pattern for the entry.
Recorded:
12 h 44 min
